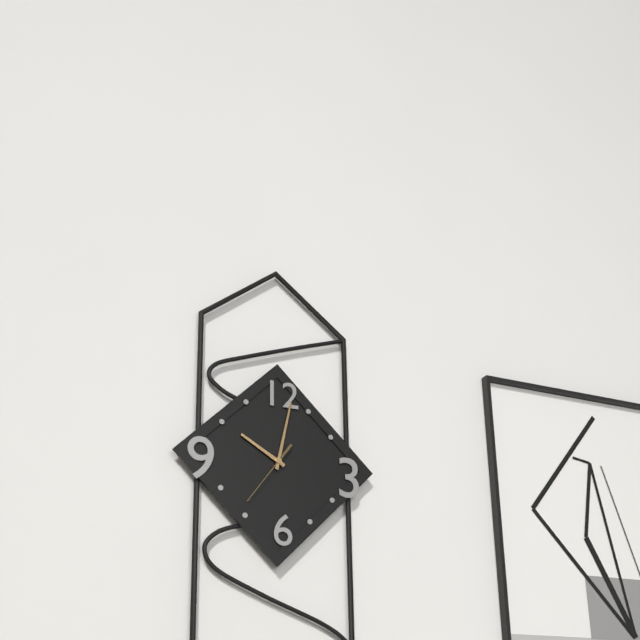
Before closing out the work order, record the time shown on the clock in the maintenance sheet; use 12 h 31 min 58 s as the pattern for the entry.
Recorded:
10 h 02 min 36 s
